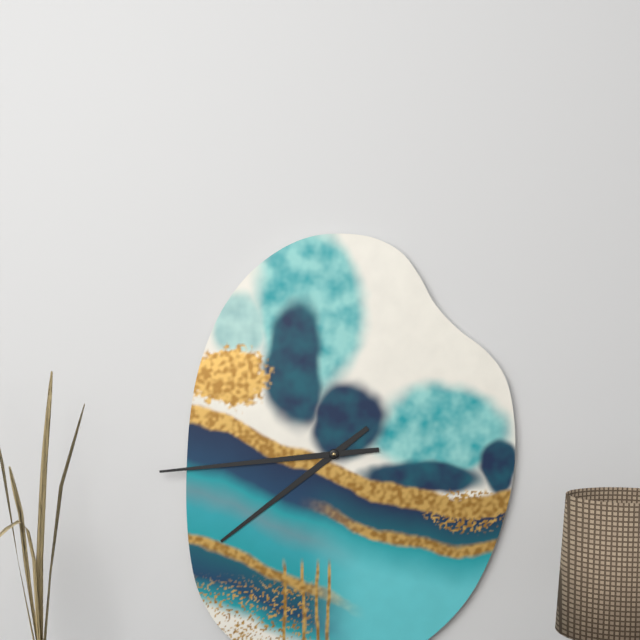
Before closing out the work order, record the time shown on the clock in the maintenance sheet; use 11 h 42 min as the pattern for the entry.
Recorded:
7 h 44 min
